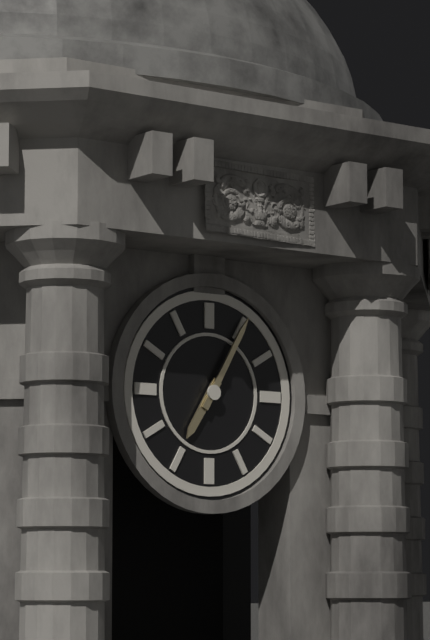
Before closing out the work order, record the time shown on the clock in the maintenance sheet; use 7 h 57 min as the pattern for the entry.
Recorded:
7 h 05 min
